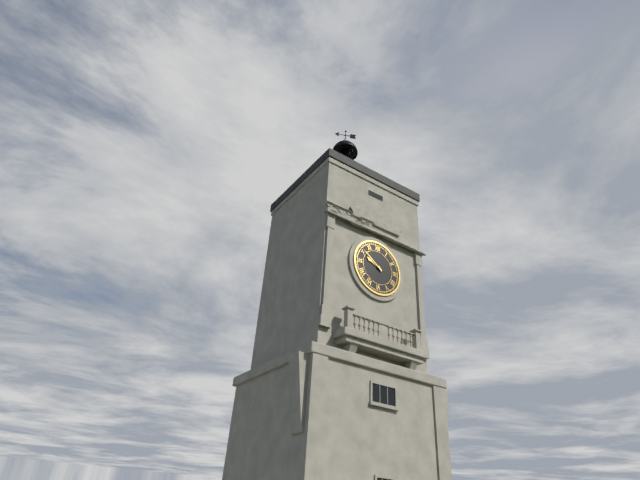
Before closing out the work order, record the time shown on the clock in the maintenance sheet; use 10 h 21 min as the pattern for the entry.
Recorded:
9 h 51 min
